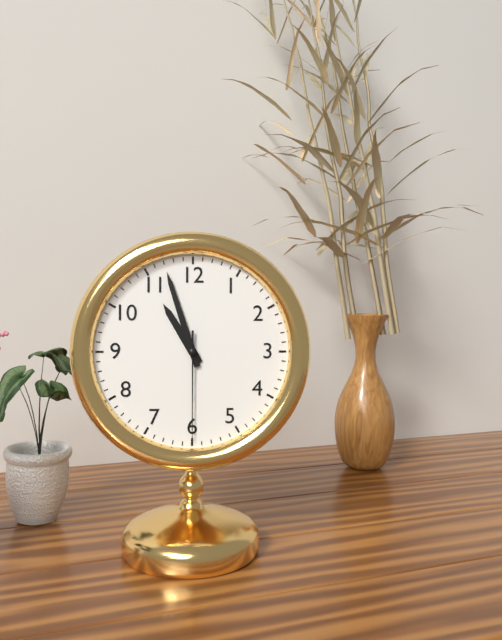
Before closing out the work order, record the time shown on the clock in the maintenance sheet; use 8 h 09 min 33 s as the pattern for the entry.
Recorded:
10 h 57 min 30 s
